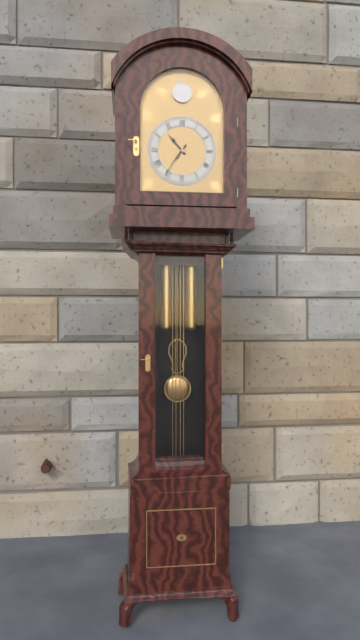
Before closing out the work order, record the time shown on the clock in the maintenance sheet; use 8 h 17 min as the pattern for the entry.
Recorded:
10 h 36 min
